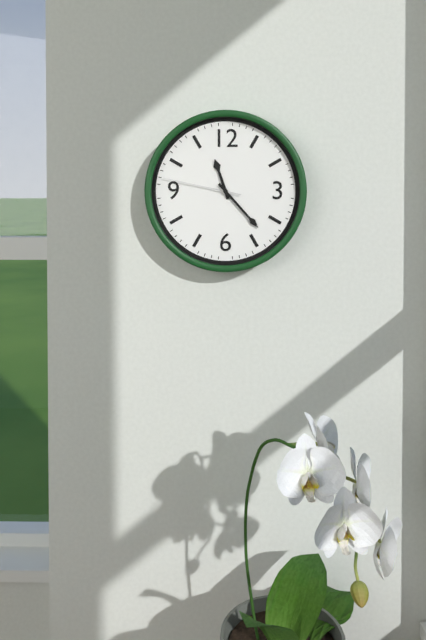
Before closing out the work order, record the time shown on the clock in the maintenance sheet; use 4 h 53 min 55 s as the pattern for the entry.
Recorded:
11 h 23 min 47 s
